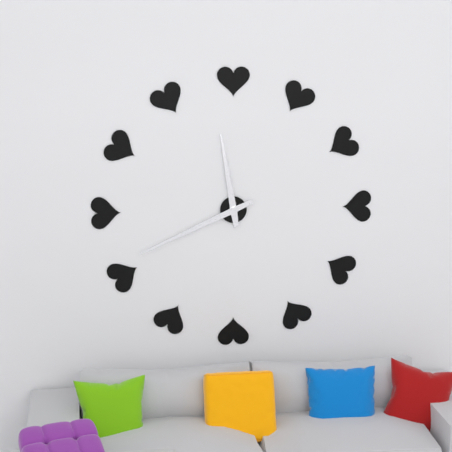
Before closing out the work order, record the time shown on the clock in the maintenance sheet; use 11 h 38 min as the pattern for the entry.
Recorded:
11 h 41 min
